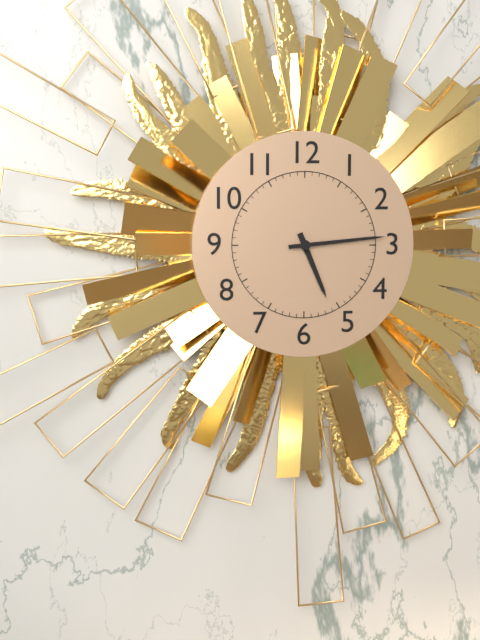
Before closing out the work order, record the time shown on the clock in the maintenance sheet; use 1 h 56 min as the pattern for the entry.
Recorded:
5 h 14 min
